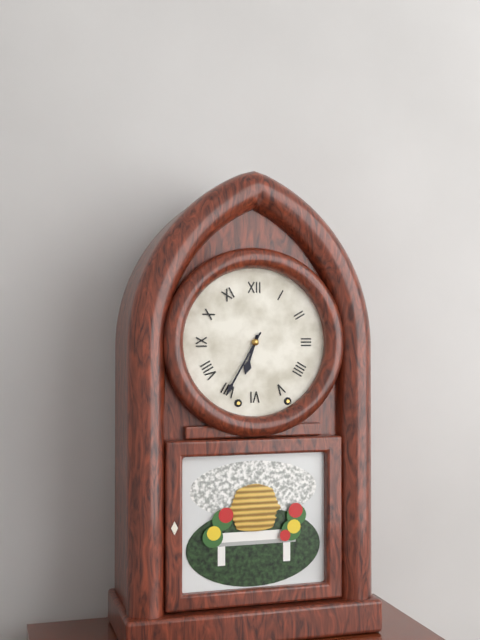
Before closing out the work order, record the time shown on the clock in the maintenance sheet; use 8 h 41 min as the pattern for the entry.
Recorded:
6 h 35 min
